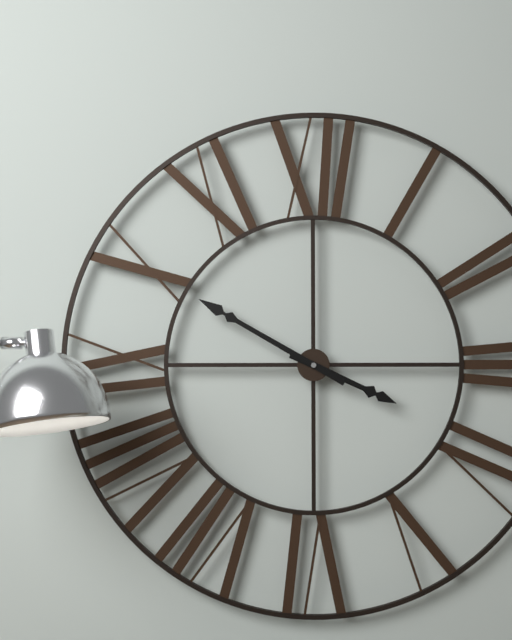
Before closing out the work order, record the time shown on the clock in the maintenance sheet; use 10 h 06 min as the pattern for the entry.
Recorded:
3 h 50 min
